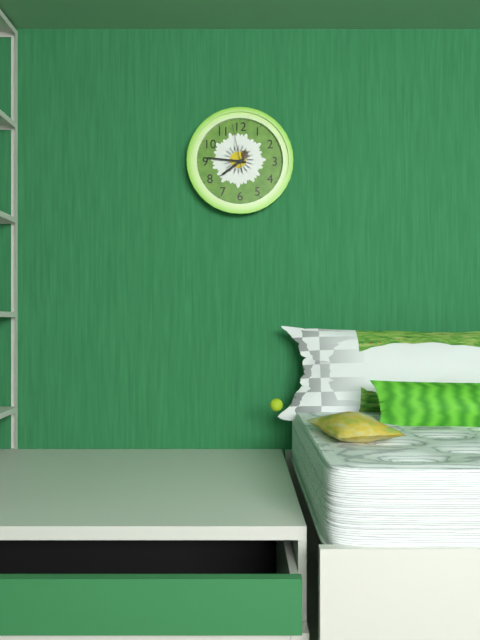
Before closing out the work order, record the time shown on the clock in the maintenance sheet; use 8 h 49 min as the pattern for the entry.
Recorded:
7 h 46 min
